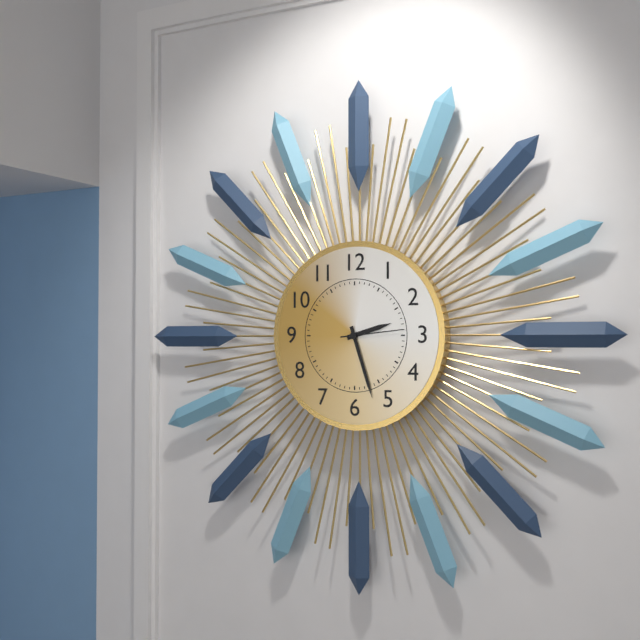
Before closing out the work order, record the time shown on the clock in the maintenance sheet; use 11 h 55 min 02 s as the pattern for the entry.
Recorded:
2 h 27 min 14 s
